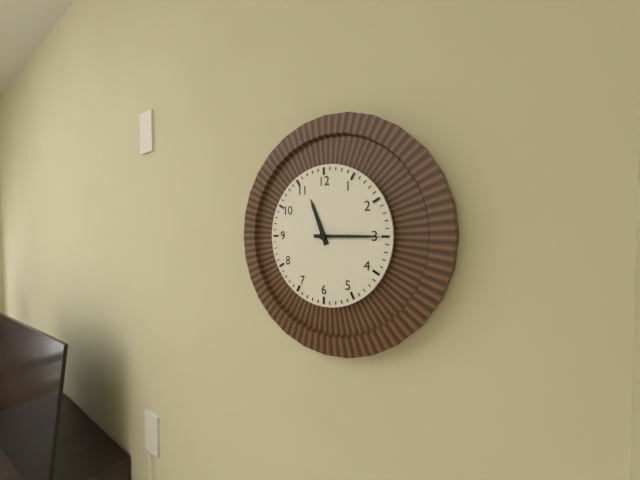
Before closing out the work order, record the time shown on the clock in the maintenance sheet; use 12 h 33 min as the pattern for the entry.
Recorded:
11 h 15 min
